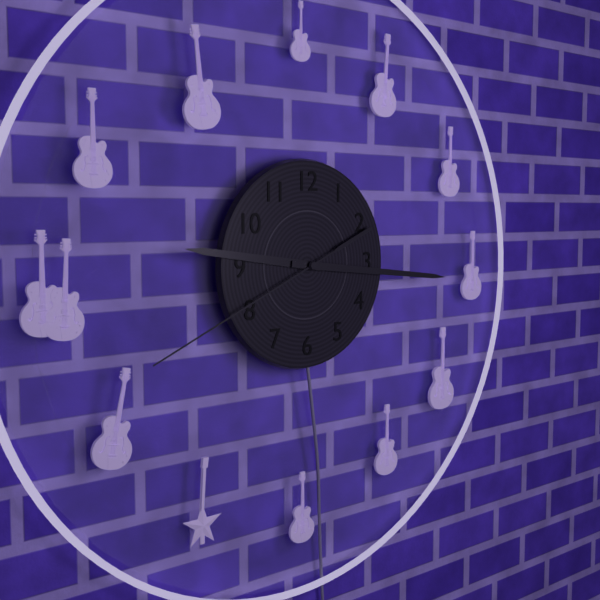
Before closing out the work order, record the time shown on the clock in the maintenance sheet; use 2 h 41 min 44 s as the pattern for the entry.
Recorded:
9 h 16 min 41 s
